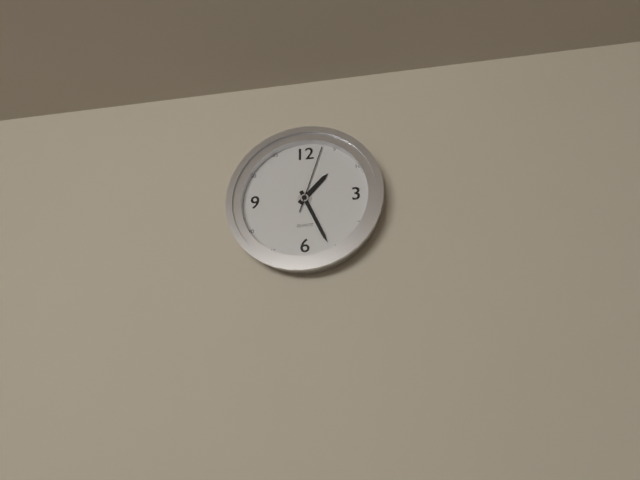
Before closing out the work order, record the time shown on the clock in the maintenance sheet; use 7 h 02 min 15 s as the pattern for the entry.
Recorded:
1 h 26 min 03 s
